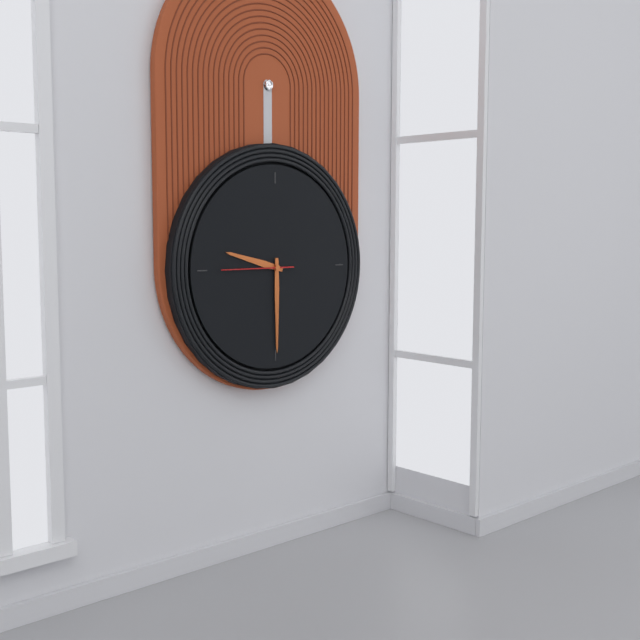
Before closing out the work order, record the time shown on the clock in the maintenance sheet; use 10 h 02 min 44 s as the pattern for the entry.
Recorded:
9 h 30 min 45 s
